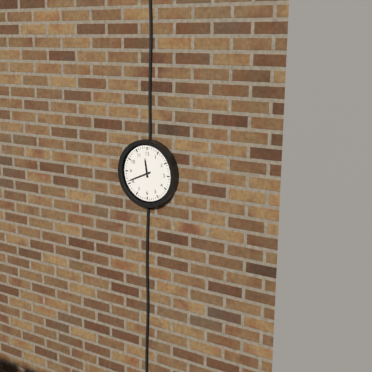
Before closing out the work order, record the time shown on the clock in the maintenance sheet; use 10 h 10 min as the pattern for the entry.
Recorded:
11 h 41 min
